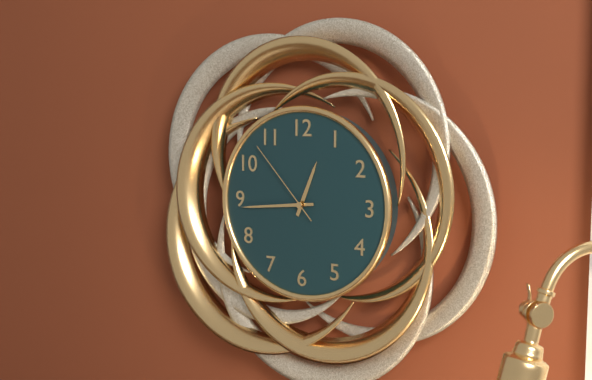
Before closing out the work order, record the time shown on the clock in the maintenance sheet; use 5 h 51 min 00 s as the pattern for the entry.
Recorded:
12 h 44 min 53 s
